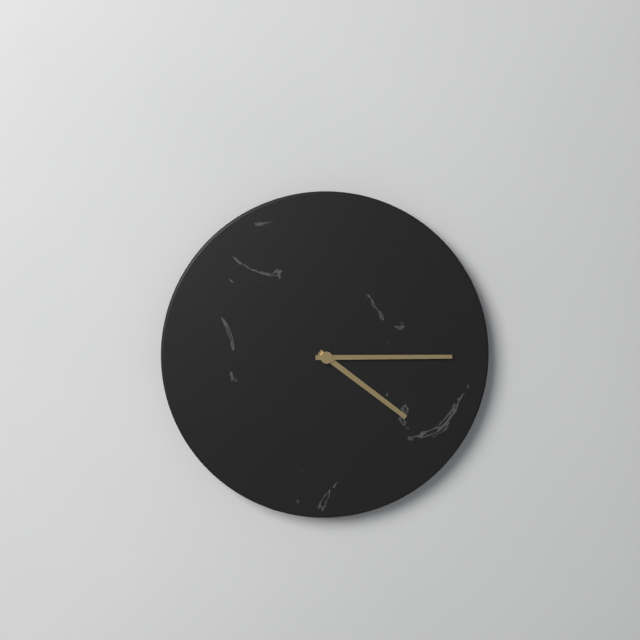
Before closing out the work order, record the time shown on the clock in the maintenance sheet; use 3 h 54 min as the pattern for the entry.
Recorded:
4 h 15 min
